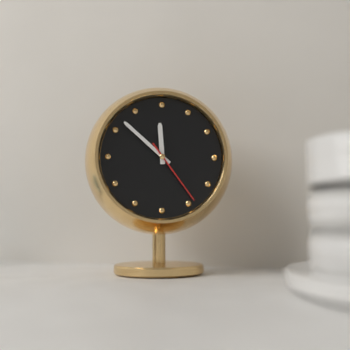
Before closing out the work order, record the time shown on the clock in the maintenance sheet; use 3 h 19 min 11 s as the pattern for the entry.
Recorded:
11 h 52 min 24 s
